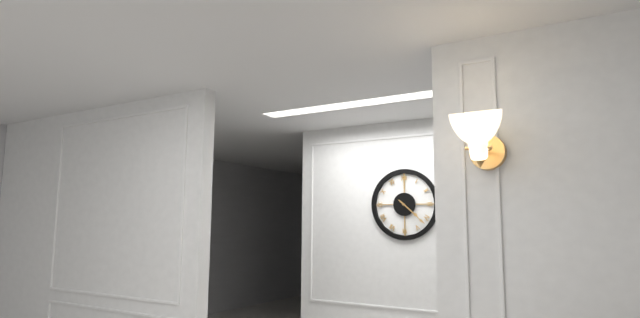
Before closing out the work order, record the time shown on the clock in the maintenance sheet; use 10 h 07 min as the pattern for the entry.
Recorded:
4 h 22 min
